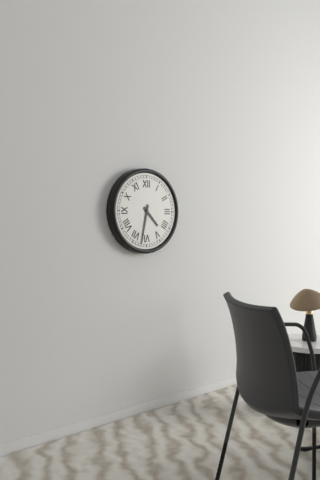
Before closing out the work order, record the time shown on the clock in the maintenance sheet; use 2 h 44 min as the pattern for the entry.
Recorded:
4 h 32 min
